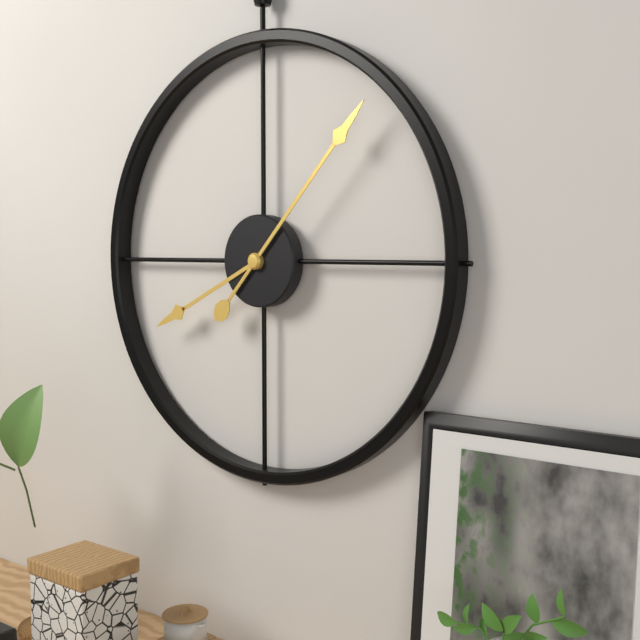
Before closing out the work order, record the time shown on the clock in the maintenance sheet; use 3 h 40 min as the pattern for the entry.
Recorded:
8 h 07 min
